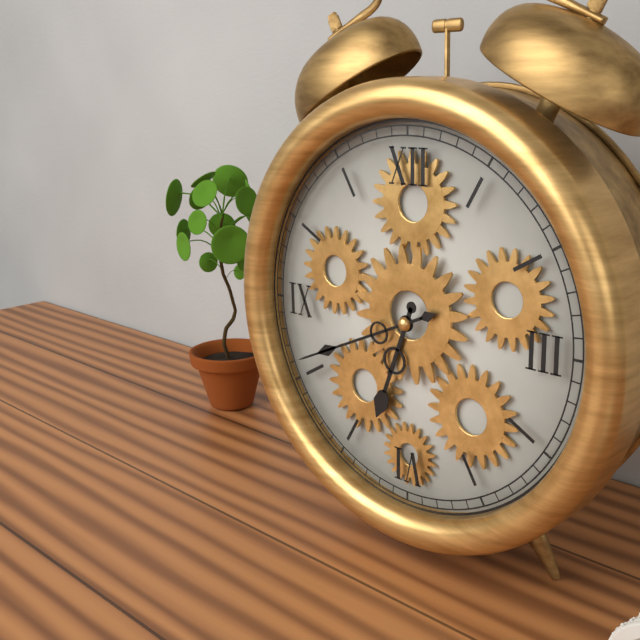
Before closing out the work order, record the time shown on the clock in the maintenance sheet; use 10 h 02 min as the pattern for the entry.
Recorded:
6 h 41 min
